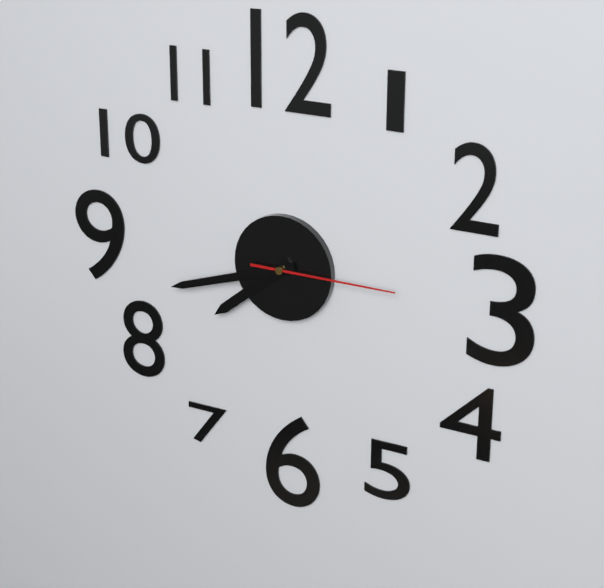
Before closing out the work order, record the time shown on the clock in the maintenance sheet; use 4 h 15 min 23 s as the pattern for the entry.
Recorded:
7 h 42 min 15 s
